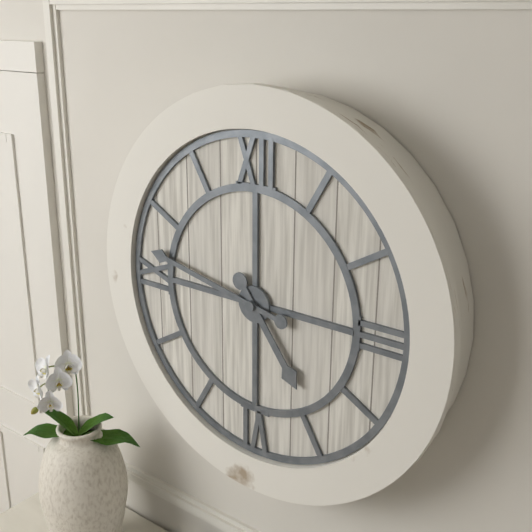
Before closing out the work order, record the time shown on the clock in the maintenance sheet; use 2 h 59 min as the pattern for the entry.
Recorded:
4 h 47 min
